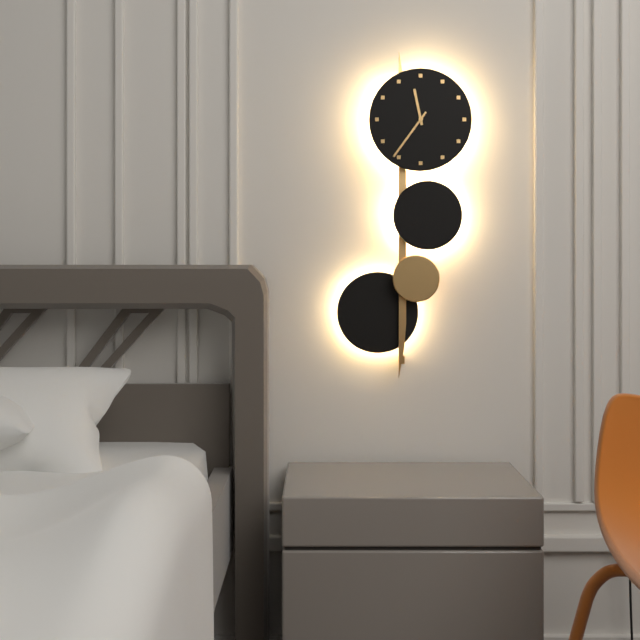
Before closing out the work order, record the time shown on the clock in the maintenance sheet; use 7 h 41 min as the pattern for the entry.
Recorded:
11 h 36 min
